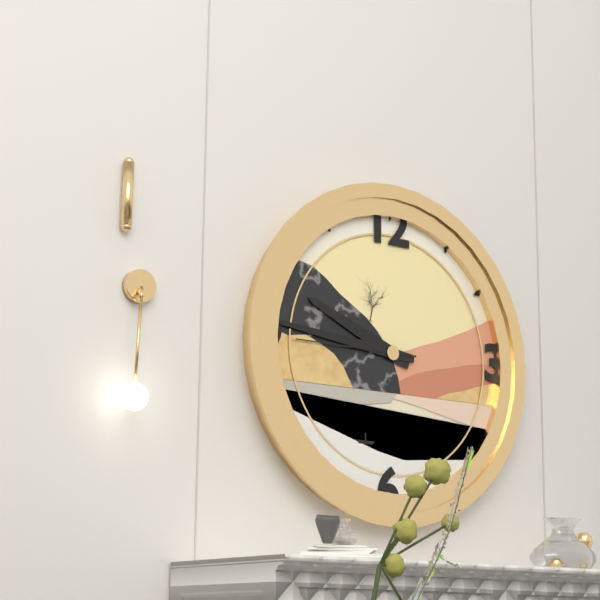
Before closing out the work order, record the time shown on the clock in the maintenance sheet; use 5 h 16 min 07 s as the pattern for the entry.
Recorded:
9 h 46 min 45 s
